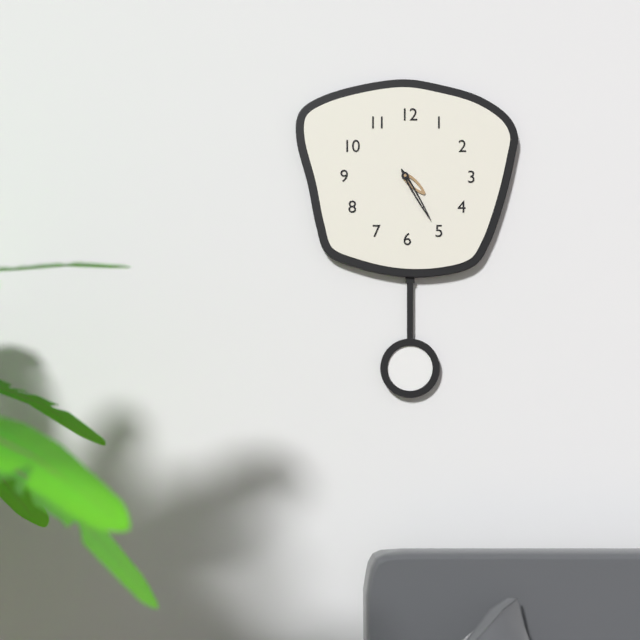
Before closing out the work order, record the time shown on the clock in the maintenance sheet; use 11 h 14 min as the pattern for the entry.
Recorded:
4 h 25 min
